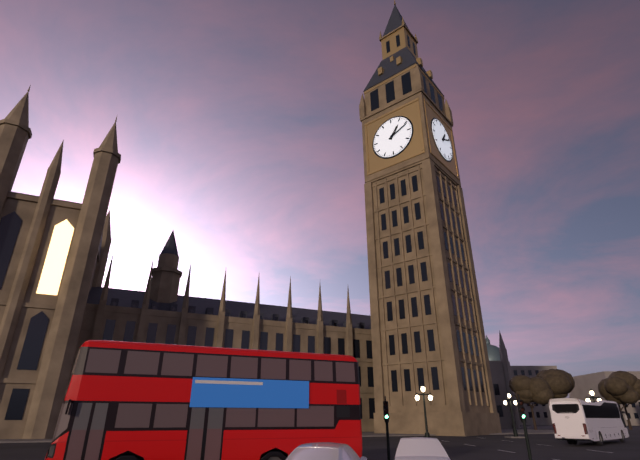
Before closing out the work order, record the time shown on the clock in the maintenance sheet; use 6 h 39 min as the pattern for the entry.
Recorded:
1 h 11 min
